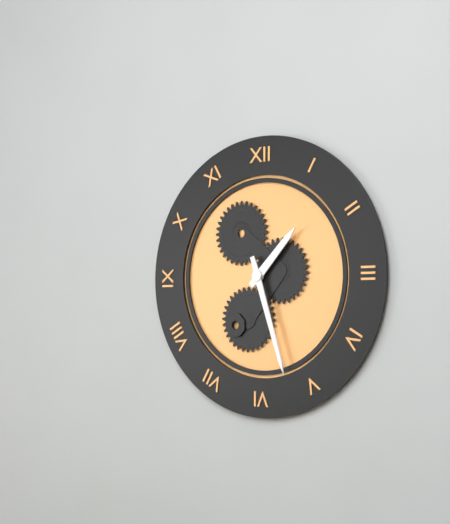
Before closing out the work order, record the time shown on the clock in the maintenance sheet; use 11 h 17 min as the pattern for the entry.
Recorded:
1 h 27 min
